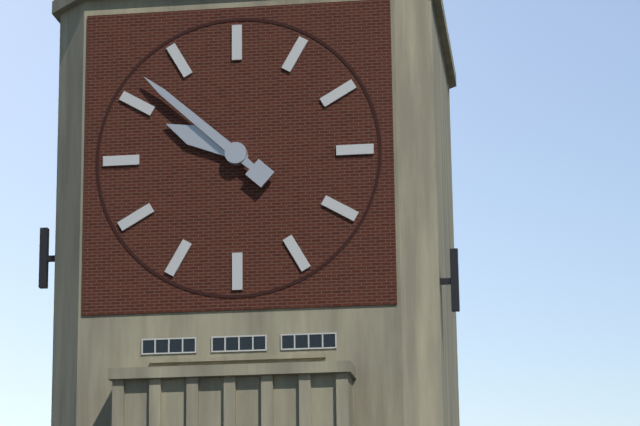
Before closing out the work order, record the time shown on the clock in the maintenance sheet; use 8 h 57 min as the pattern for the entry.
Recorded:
9 h 52 min
